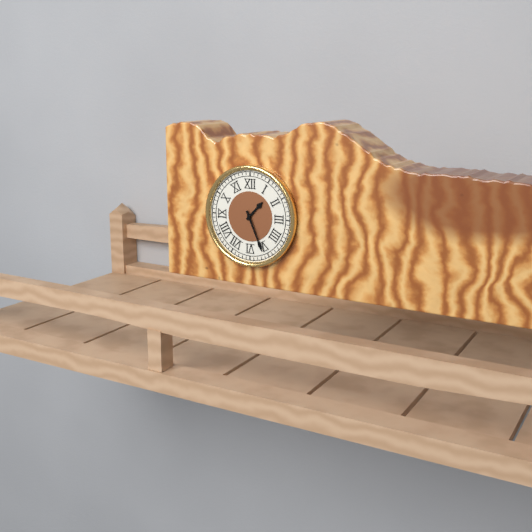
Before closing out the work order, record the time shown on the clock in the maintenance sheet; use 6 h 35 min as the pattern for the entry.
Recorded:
1 h 26 min
